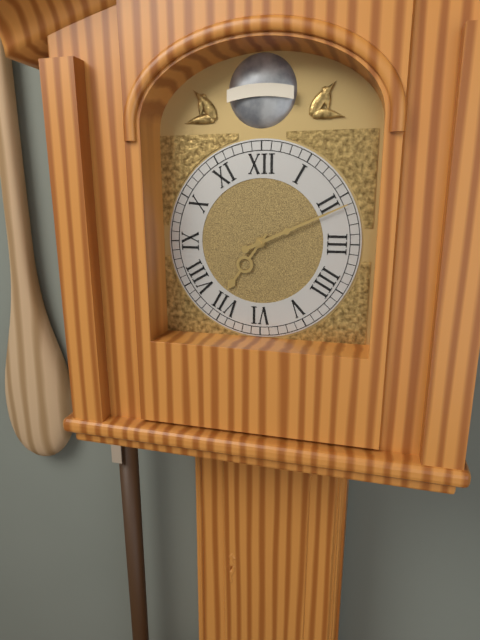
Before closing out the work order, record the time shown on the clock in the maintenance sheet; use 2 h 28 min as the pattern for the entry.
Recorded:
7 h 11 min
